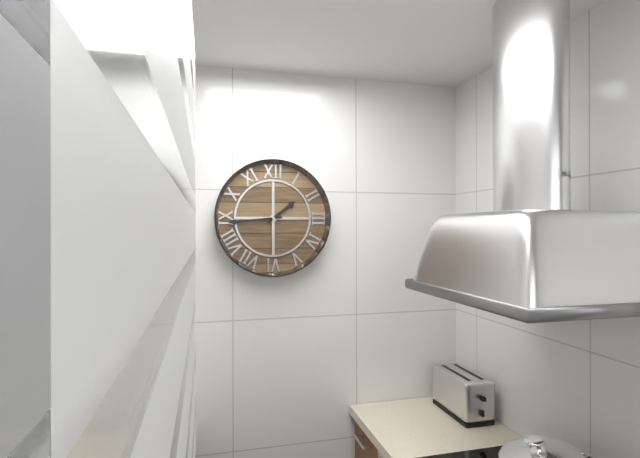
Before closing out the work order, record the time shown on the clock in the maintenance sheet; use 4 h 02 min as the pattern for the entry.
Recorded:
1 h 44 min
